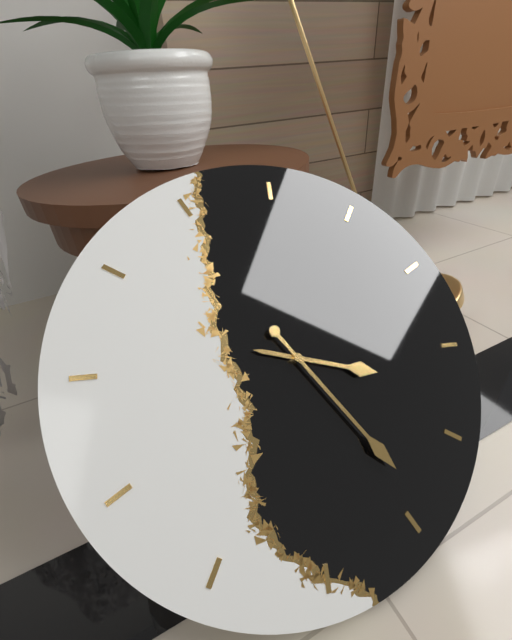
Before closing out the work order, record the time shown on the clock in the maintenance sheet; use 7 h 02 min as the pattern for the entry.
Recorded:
4 h 29 min
